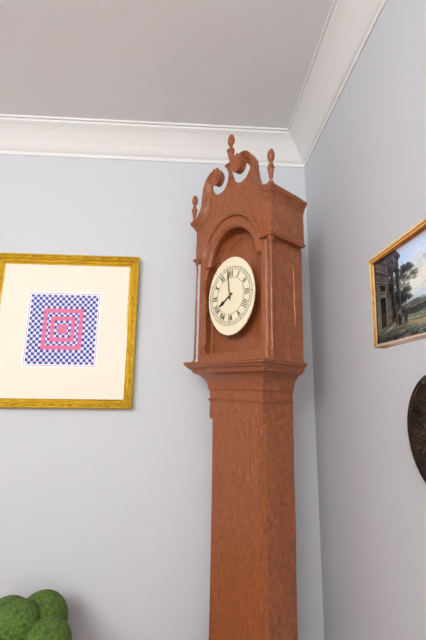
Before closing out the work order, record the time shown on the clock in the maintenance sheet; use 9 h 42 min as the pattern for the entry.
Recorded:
7 h 59 min
